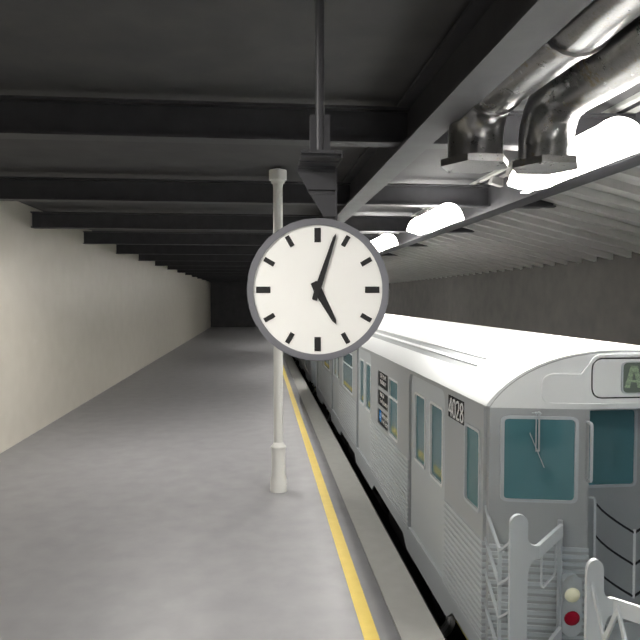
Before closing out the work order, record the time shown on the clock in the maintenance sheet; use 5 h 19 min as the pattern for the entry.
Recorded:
5 h 03 min
